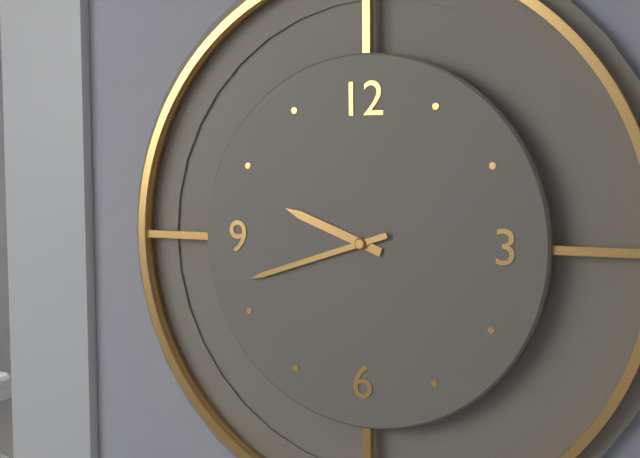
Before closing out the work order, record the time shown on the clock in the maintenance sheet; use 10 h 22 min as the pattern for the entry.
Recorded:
9 h 42 min
